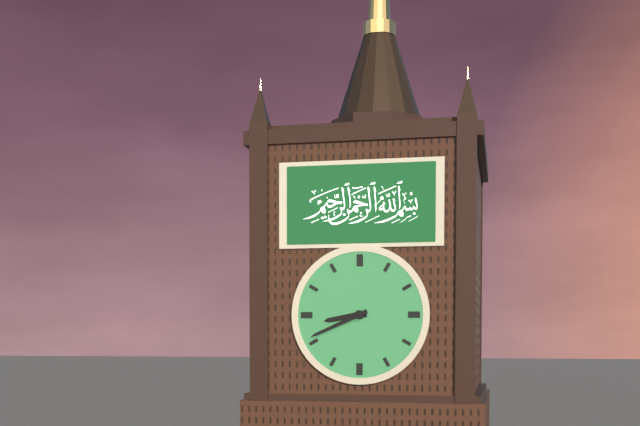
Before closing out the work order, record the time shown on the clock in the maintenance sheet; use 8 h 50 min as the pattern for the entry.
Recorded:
8 h 41 min
